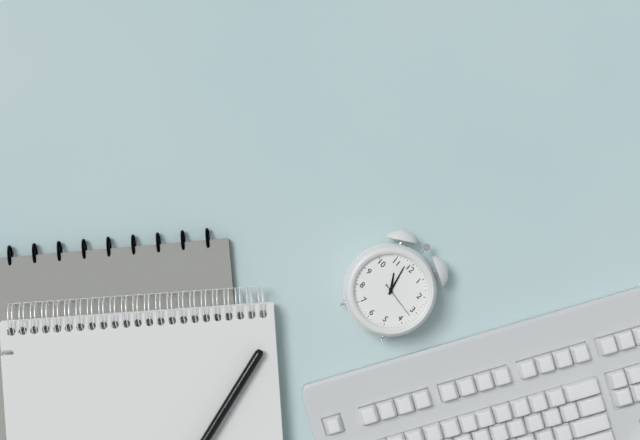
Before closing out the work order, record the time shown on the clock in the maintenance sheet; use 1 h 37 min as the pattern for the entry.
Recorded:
10 h 58 min
